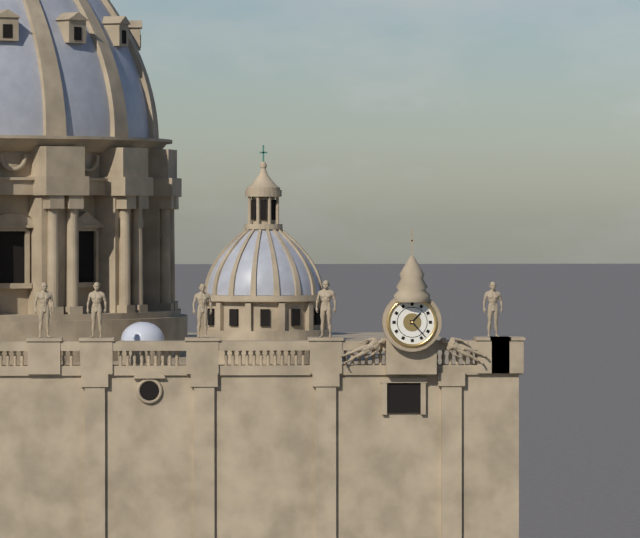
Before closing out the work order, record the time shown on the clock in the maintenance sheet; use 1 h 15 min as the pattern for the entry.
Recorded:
1 h 23 min
